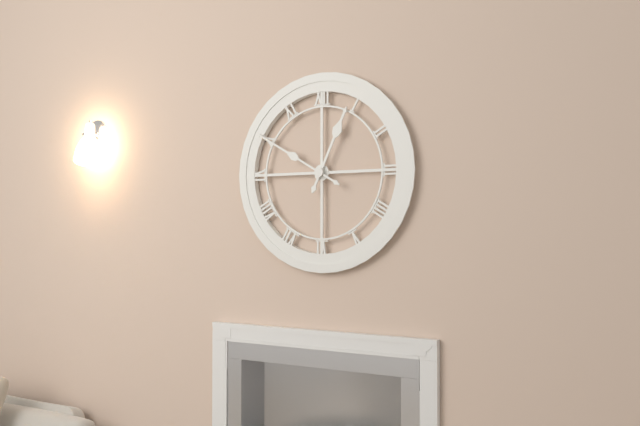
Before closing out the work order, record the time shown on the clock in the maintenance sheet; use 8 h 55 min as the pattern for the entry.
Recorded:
12 h 50 min
